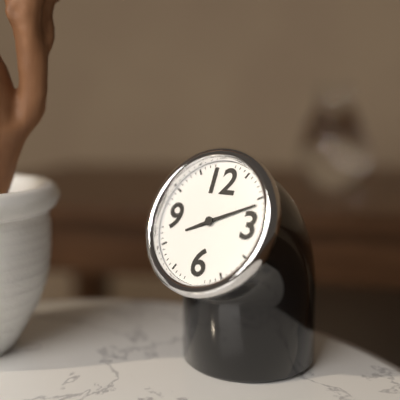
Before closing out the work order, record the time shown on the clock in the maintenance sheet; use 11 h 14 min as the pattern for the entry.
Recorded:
8 h 11 min
